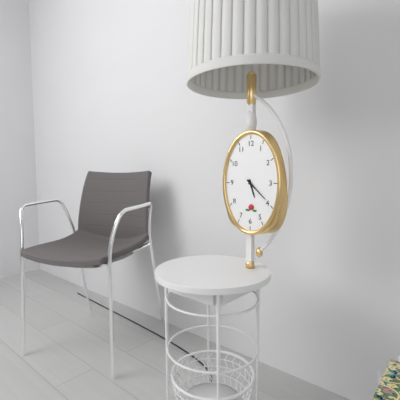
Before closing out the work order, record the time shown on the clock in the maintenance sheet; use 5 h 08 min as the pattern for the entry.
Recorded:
5 h 22 min
